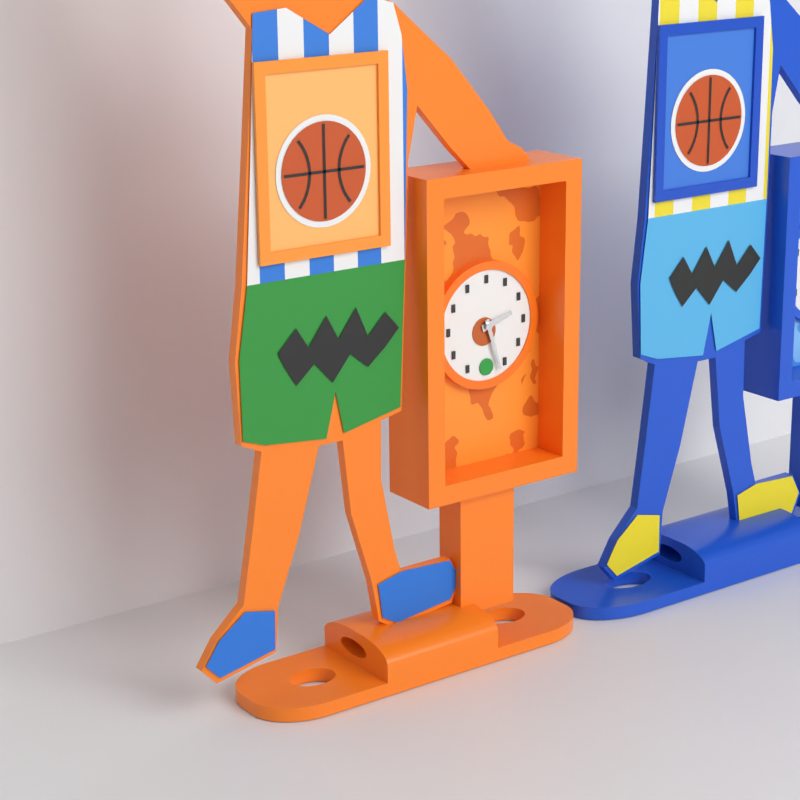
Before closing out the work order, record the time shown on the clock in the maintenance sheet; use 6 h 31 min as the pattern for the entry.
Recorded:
2 h 27 min
